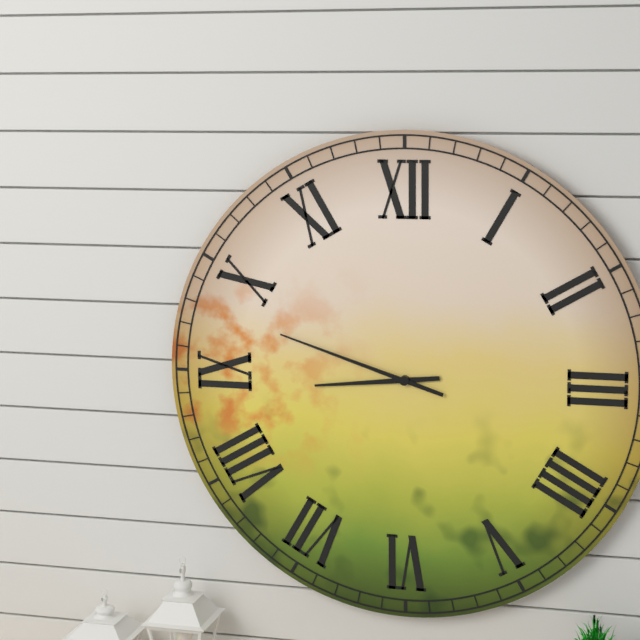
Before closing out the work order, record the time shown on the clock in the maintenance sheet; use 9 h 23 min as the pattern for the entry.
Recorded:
8 h 48 min
